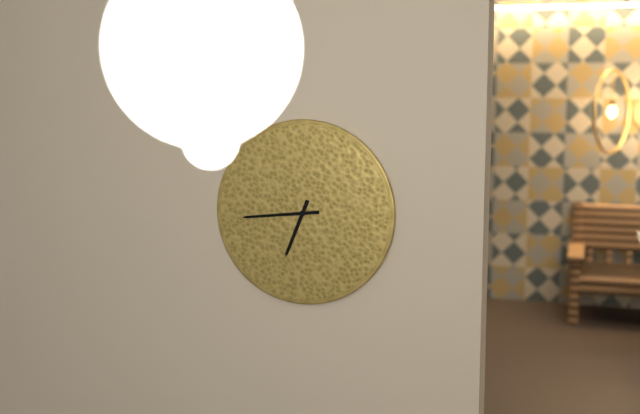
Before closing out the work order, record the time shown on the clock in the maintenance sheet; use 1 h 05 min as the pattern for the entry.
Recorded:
6 h 44 min
